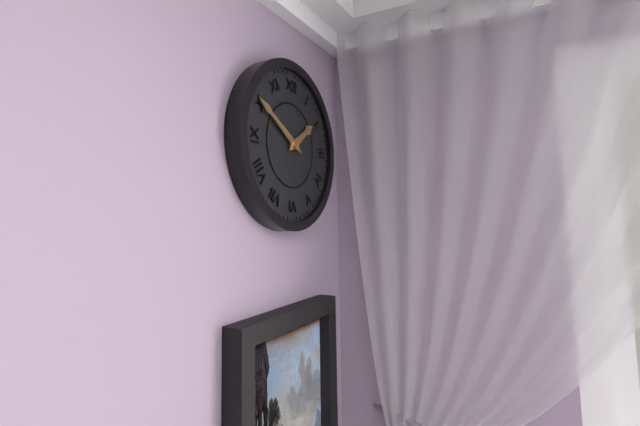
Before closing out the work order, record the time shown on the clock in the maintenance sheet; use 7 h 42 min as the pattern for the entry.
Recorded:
1 h 50 min
